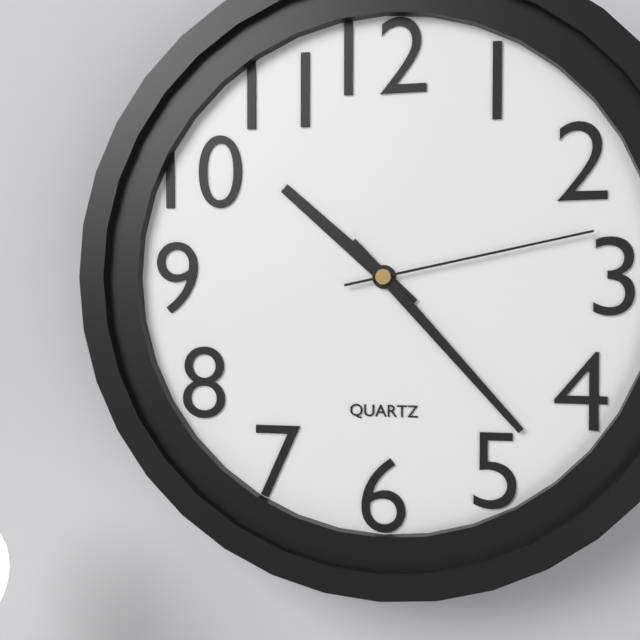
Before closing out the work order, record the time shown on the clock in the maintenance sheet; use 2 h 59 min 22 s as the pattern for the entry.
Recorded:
10 h 23 min 13 s
